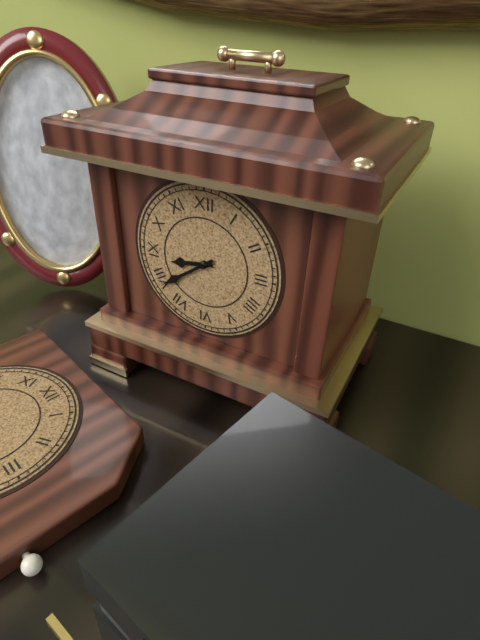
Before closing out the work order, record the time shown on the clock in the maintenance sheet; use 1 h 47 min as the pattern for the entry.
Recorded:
8 h 39 min
